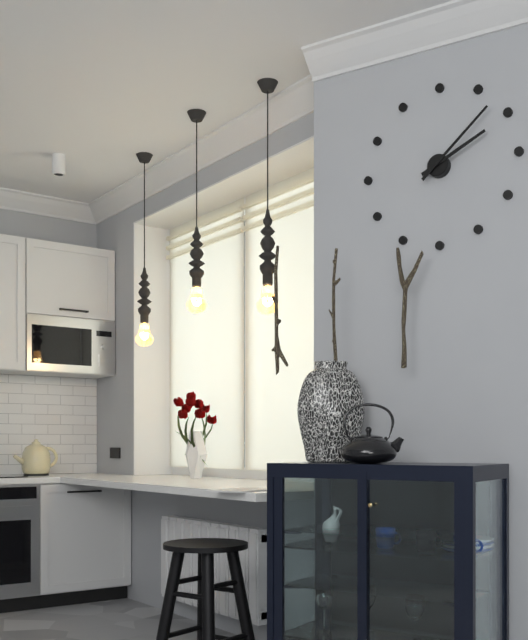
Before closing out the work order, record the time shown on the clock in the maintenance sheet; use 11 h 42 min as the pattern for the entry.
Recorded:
2 h 08 min
